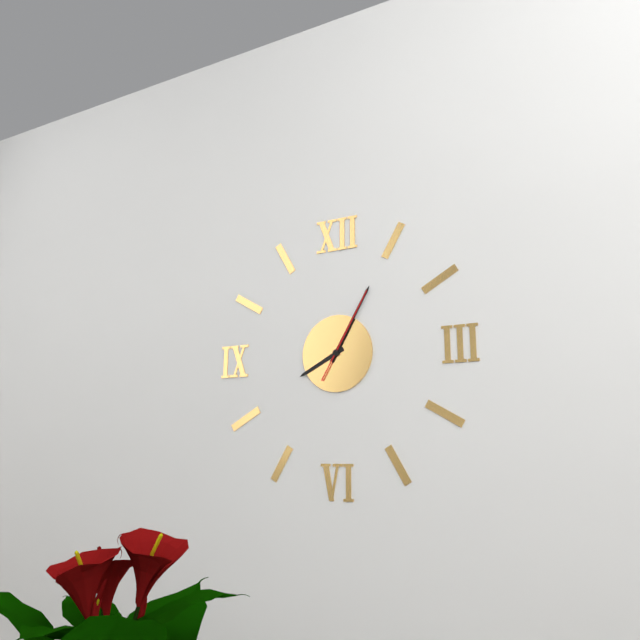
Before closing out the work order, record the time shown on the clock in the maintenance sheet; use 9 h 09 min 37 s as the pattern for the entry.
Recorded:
8 h 05 min 05 s
